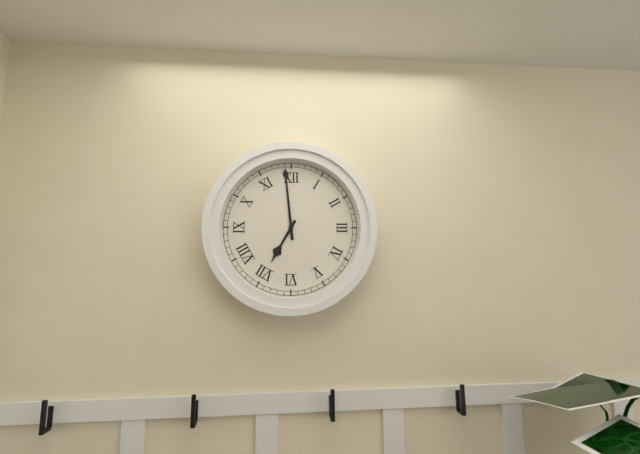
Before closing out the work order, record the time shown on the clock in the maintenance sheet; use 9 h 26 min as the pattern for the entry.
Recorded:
6 h 59 min
